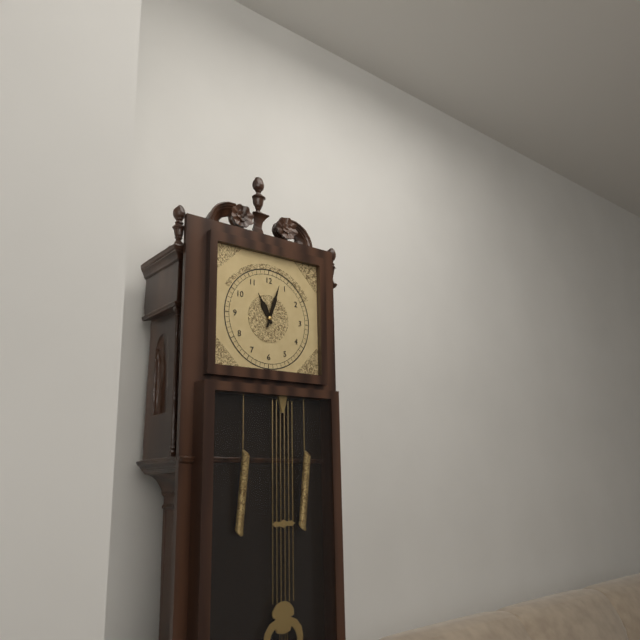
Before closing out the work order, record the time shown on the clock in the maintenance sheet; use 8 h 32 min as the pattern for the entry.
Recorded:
11 h 03 min
